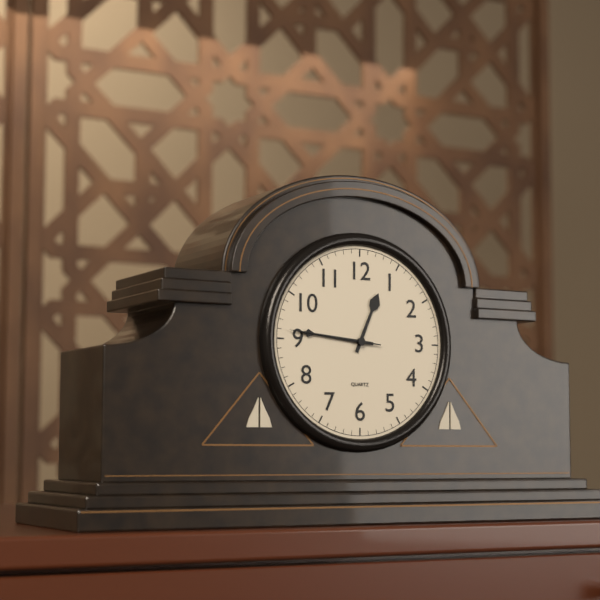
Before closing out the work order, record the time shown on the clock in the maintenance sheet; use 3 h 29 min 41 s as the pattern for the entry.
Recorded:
12 h 46 min 46 s
